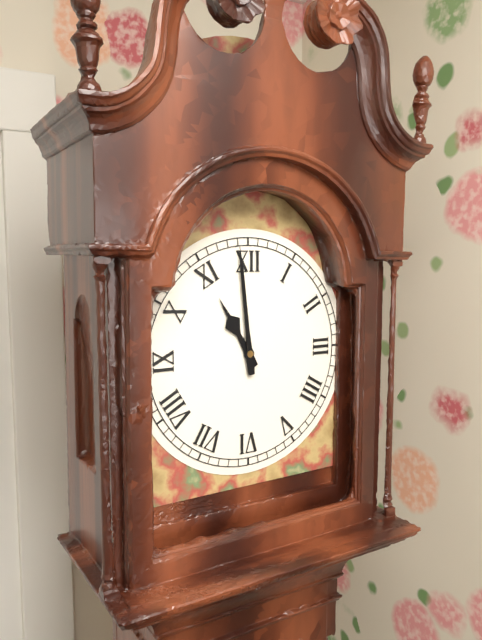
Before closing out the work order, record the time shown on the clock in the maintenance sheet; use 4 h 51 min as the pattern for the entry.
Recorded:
10 h 59 min
